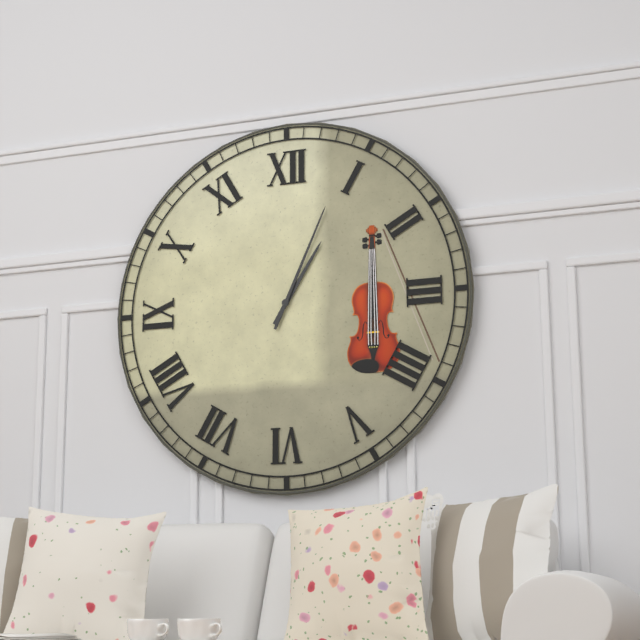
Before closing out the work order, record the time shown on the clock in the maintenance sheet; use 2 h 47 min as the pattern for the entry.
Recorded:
1 h 04 min
